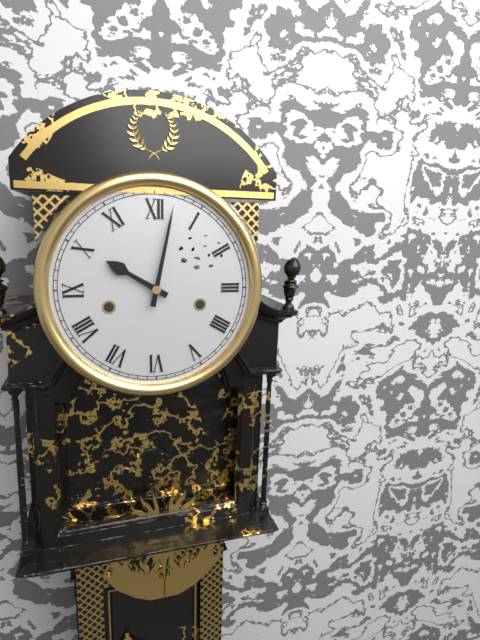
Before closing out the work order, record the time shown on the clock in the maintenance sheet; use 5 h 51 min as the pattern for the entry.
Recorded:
10 h 02 min
